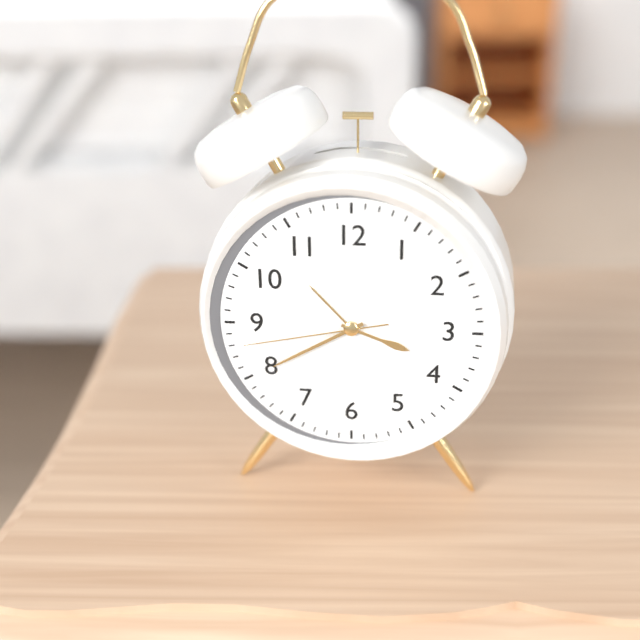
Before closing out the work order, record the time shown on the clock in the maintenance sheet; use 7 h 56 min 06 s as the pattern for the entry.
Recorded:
3 h 40 min 43 s
